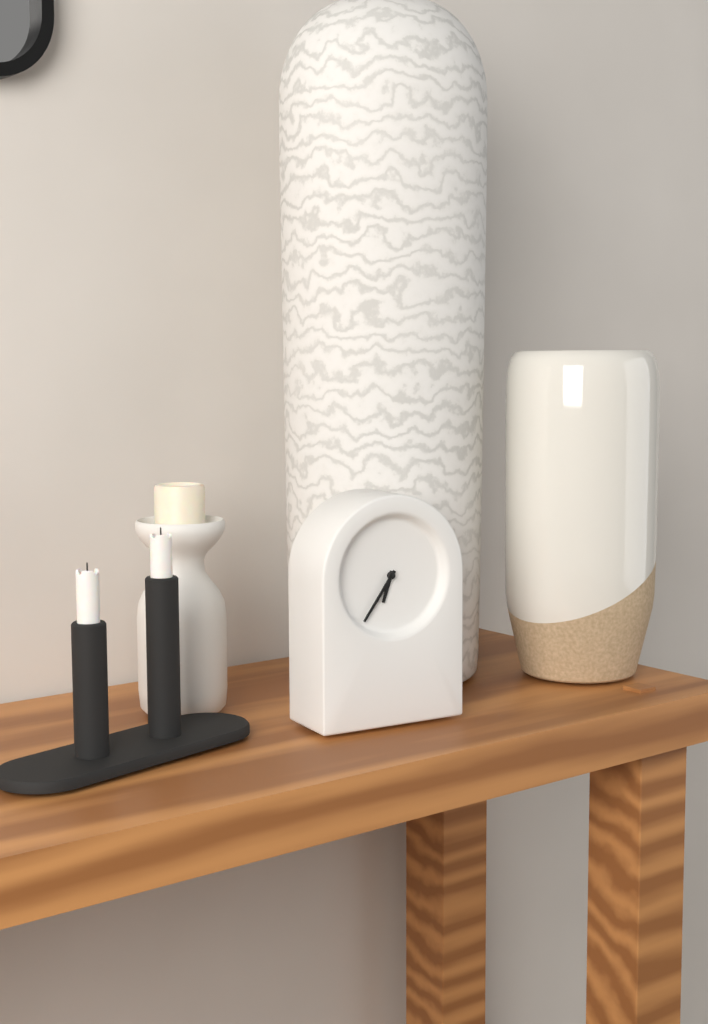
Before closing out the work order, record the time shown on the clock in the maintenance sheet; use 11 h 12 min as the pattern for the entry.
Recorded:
6 h 36 min
